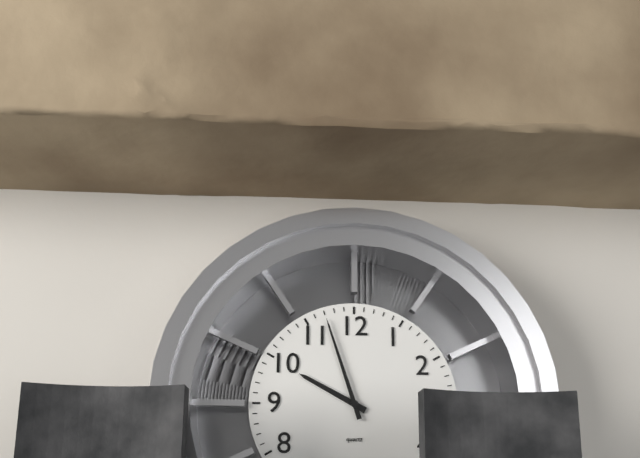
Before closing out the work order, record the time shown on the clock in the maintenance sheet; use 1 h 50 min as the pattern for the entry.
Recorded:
9 h 57 min
